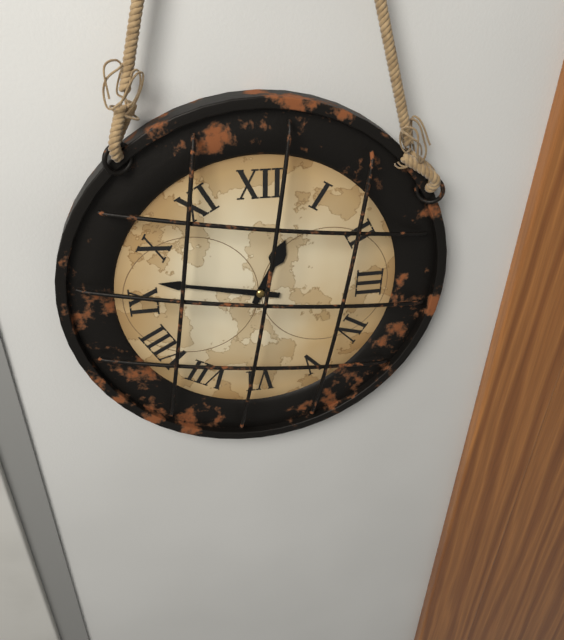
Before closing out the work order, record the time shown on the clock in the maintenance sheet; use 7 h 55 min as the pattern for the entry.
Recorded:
12 h 47 min
